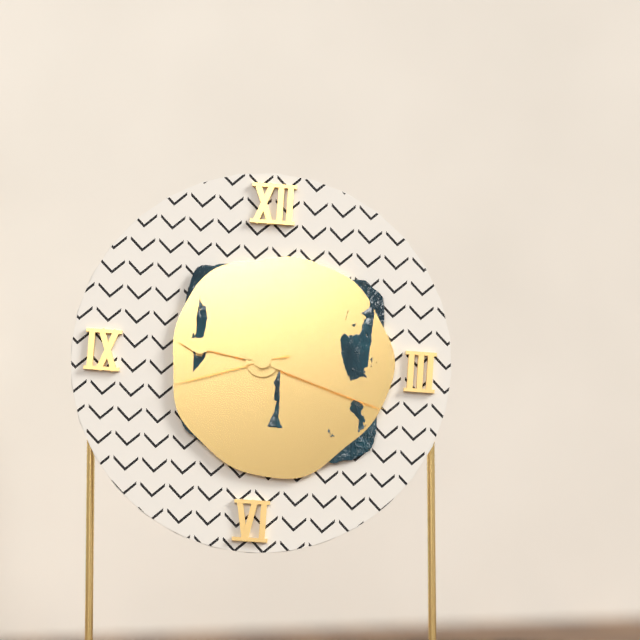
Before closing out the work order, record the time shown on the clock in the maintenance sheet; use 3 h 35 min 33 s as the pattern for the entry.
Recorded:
9 h 18 min 42 s
